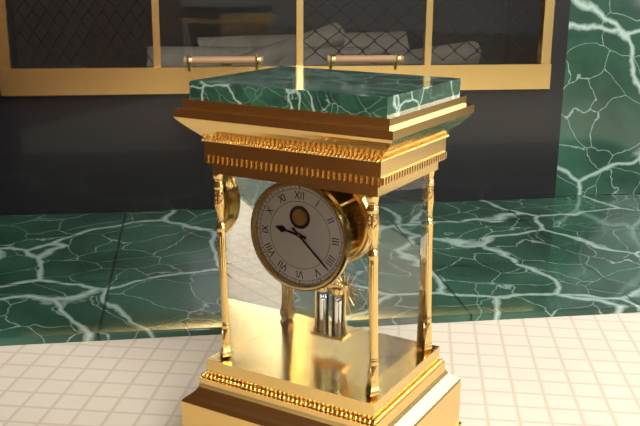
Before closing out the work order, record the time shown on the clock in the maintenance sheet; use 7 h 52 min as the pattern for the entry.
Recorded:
9 h 22 min
